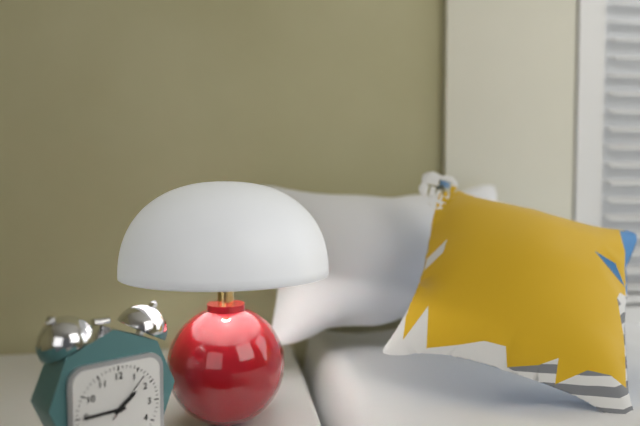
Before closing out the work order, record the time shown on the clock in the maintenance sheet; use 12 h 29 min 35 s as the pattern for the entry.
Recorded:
1 h 45 min 07 s
